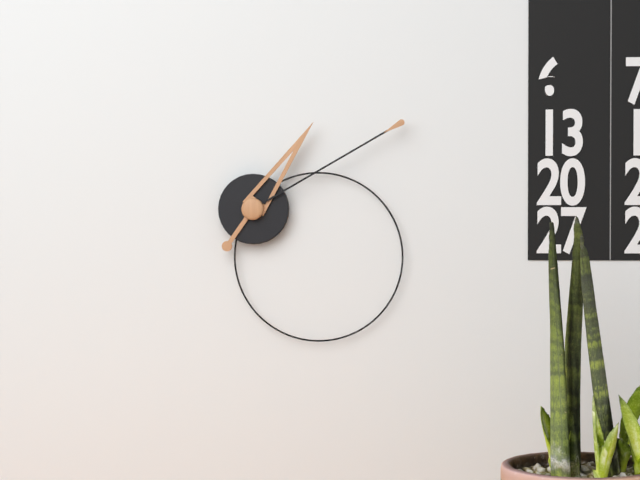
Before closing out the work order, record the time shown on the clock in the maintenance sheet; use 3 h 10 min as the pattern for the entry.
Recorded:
1 h 10 min
